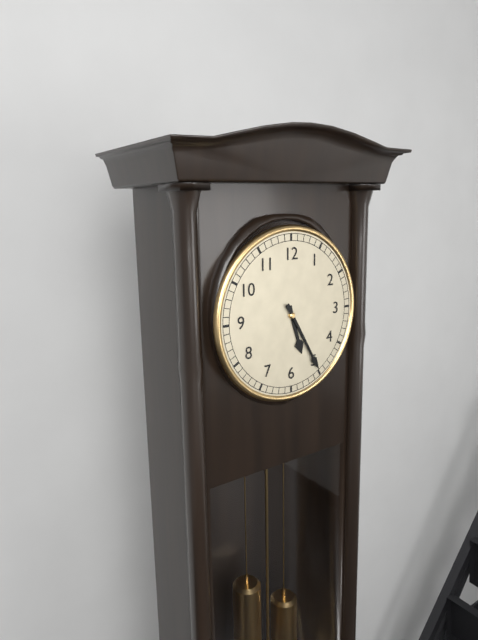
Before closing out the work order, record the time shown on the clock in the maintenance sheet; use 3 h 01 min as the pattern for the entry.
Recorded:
5 h 25 min
